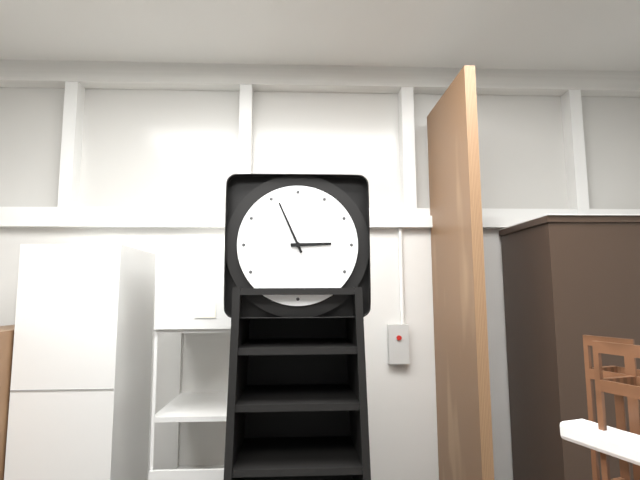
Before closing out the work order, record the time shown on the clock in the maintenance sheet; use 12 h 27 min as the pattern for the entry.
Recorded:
2 h 56 min
